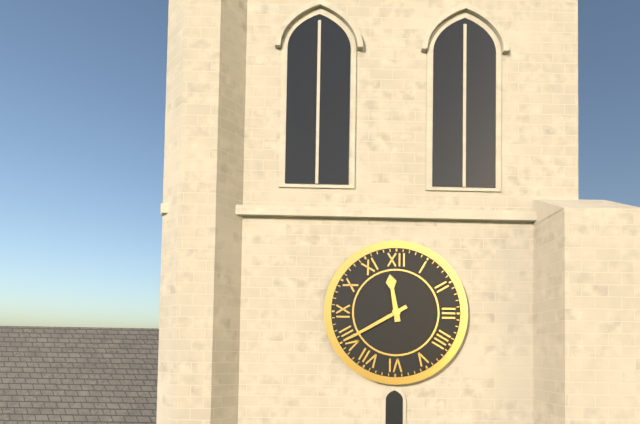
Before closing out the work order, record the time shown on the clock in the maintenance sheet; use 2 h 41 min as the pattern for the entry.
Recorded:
11 h 40 min
